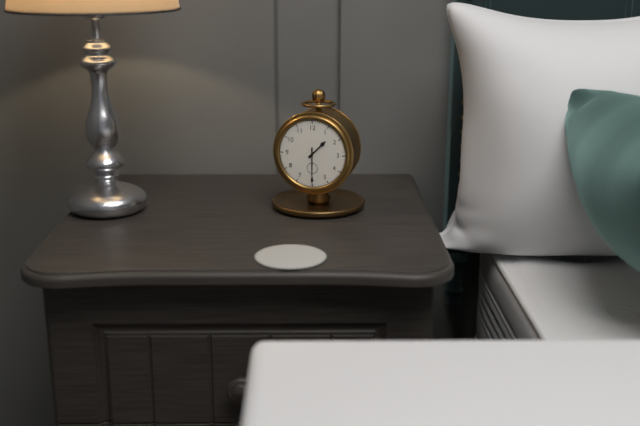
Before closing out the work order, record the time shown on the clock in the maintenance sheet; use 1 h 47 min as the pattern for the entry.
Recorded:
1 h 30 min
